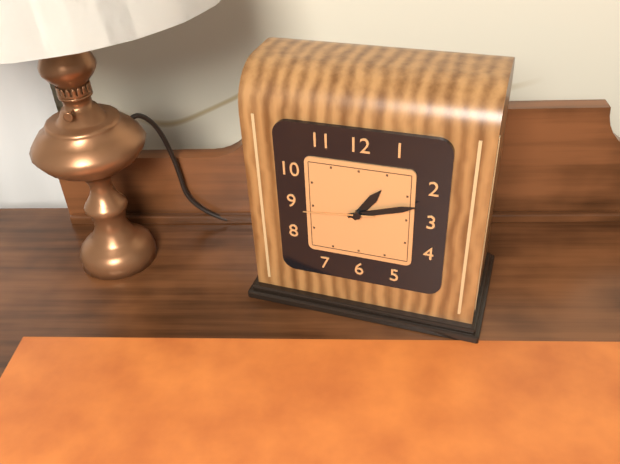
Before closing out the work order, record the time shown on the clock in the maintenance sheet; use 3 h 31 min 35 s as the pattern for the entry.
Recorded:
1 h 12 min 44 s
